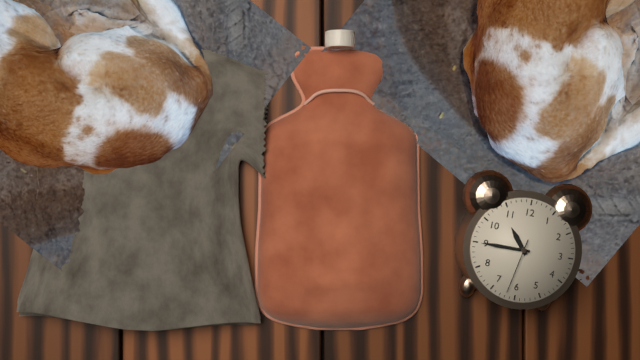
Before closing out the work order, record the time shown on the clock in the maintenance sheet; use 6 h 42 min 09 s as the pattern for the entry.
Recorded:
10 h 45 min 32 s
